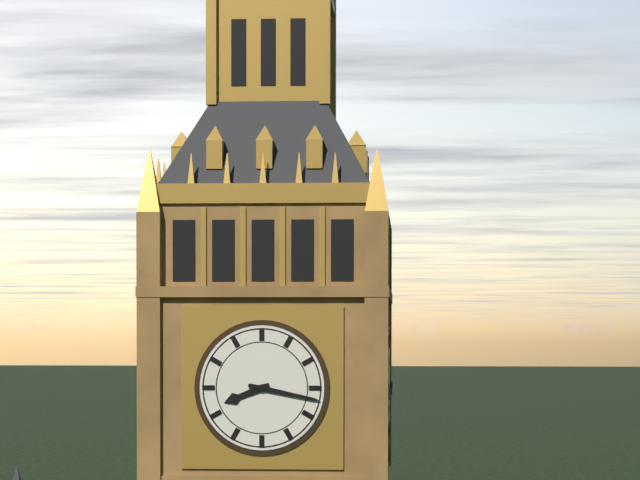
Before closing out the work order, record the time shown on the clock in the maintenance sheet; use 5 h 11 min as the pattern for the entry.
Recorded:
8 h 17 min
